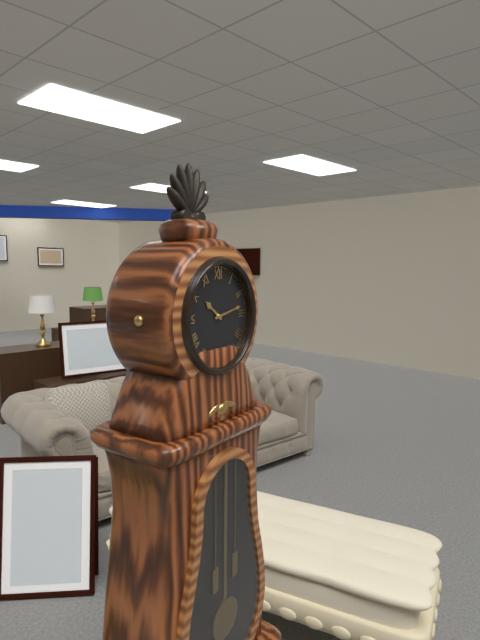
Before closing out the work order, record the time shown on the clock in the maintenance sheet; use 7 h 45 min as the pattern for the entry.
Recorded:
10 h 13 min
